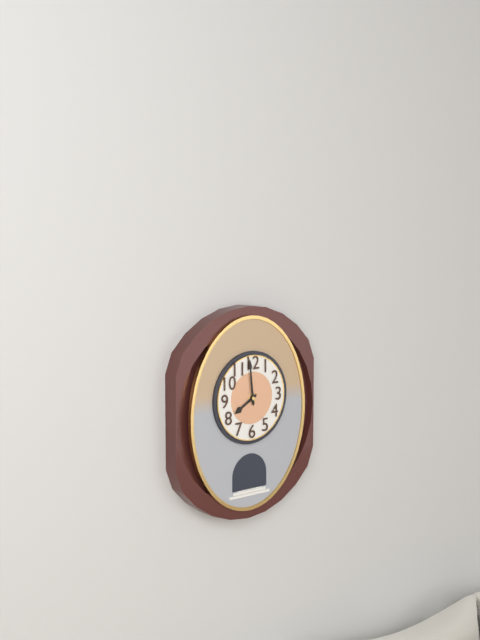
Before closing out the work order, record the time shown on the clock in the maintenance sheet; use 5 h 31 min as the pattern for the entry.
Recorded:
7 h 59 min
